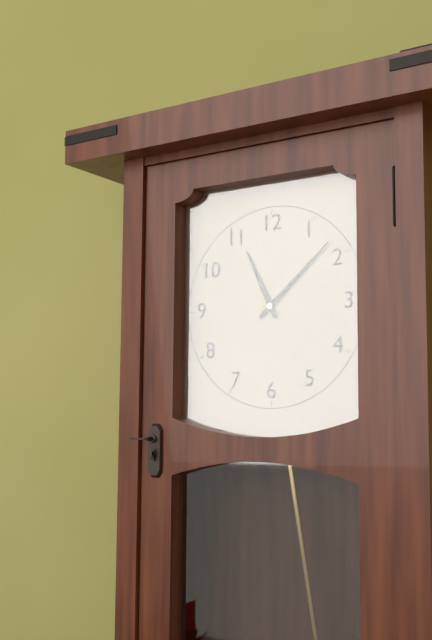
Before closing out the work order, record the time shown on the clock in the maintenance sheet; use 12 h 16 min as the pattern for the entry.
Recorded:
11 h 08 min
